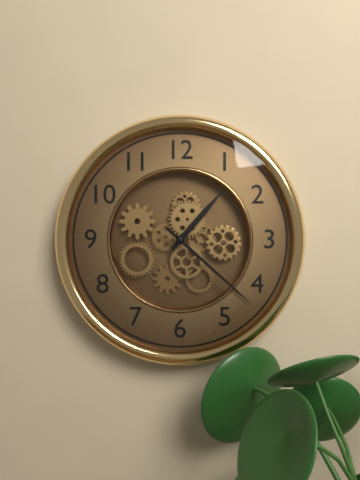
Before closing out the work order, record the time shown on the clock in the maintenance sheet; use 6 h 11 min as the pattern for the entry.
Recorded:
1 h 22 min
